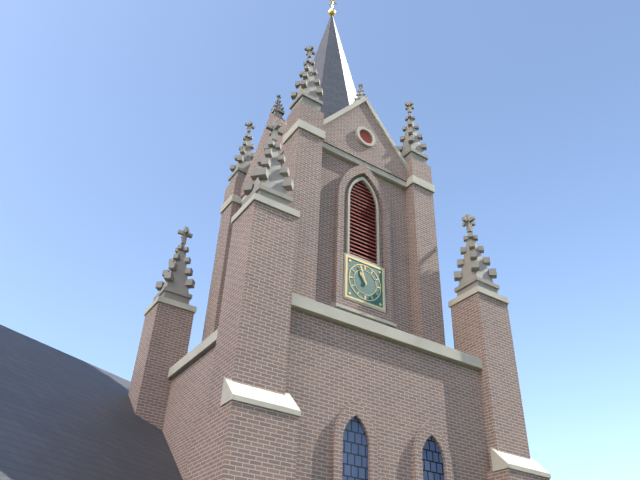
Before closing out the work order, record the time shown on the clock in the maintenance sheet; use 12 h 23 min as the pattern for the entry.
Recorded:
10 h 57 min
